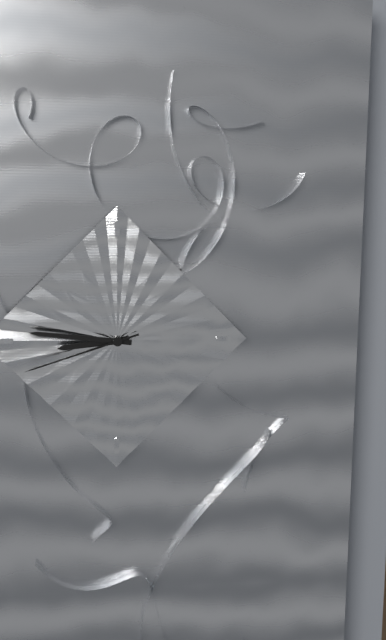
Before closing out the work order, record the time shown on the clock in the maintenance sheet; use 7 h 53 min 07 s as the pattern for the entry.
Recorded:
8 h 46 min 42 s
